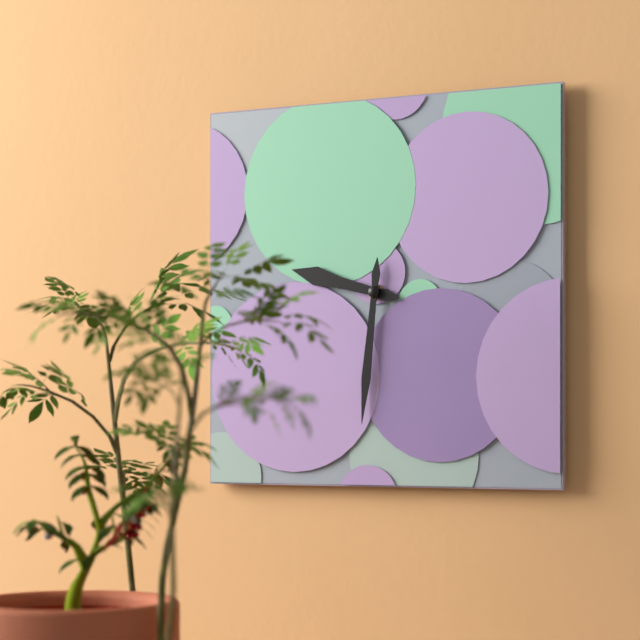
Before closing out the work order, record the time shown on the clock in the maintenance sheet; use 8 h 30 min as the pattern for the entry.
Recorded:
9 h 31 min
